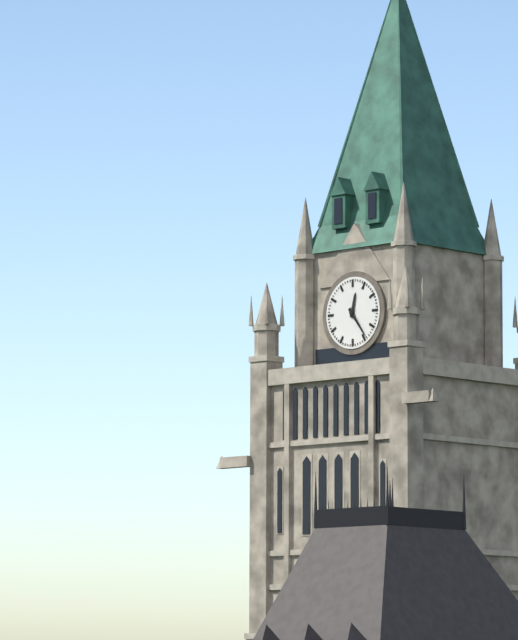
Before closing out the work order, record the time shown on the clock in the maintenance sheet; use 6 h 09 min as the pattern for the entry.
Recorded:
12 h 24 min
